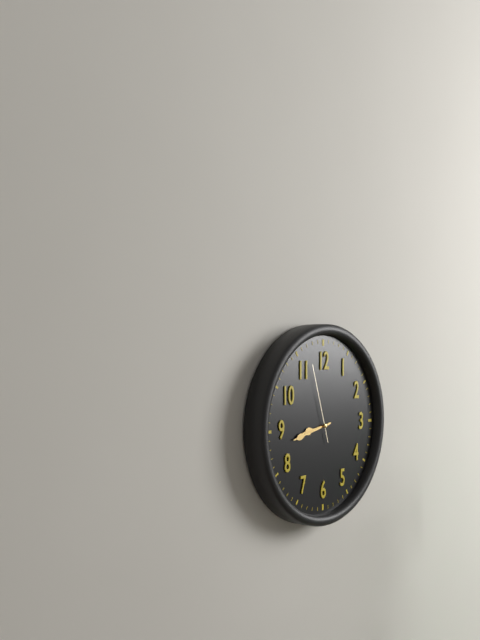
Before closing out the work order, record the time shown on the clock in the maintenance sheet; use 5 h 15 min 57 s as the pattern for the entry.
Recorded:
8 h 43 min 57 s
